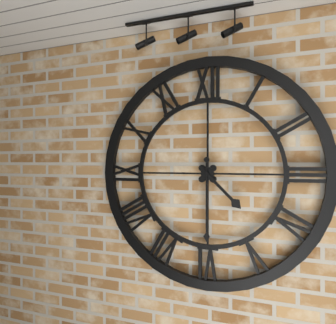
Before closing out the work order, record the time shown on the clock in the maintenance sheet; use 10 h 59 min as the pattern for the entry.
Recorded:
4 h 30 min
